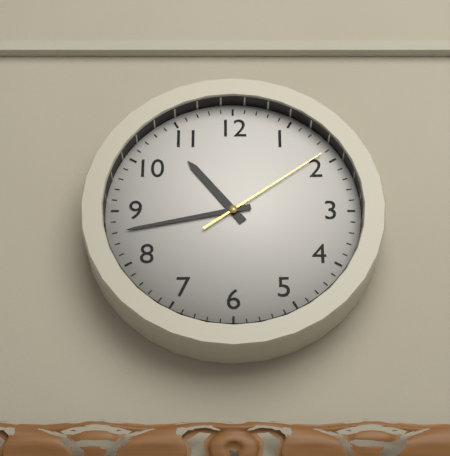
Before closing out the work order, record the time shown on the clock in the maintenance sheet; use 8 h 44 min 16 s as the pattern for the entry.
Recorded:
10 h 43 min 09 s
